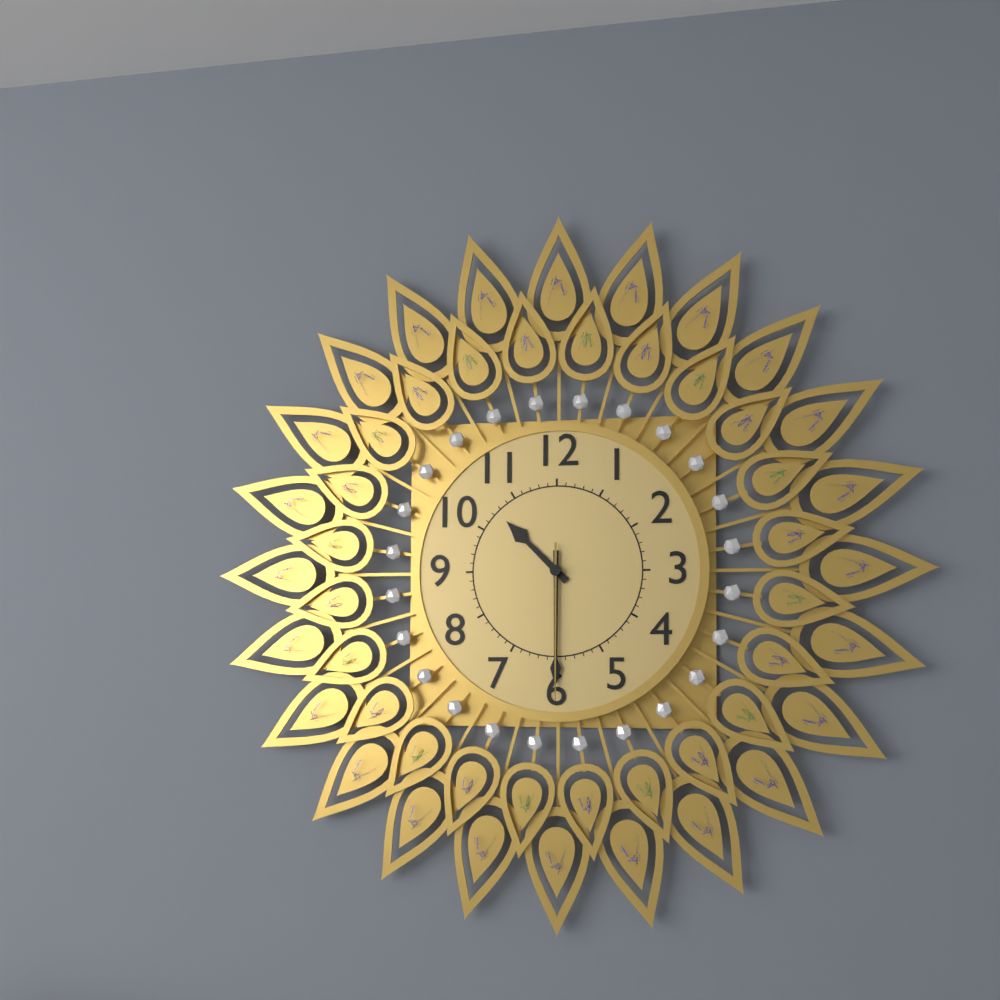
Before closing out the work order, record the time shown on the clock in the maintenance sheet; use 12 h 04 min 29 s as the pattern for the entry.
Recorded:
10 h 30 min 30 s
